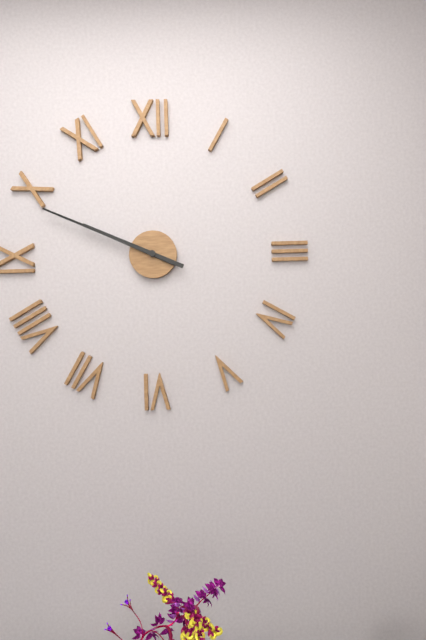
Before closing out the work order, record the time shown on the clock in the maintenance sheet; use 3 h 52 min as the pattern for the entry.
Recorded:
9 h 49 min
